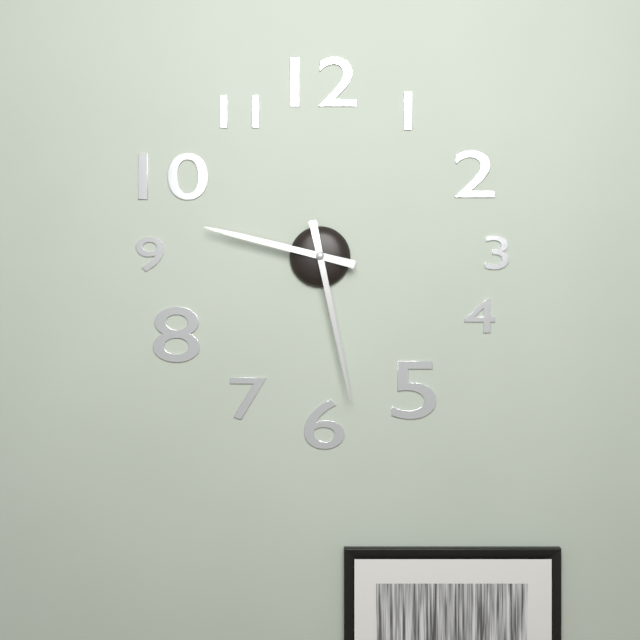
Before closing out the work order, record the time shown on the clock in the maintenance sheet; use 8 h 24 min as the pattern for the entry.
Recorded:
9 h 28 min
